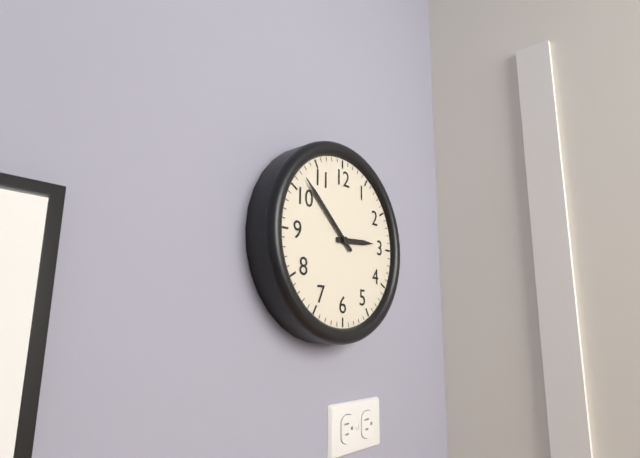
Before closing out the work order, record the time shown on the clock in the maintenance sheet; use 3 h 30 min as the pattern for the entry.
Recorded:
2 h 52 min
